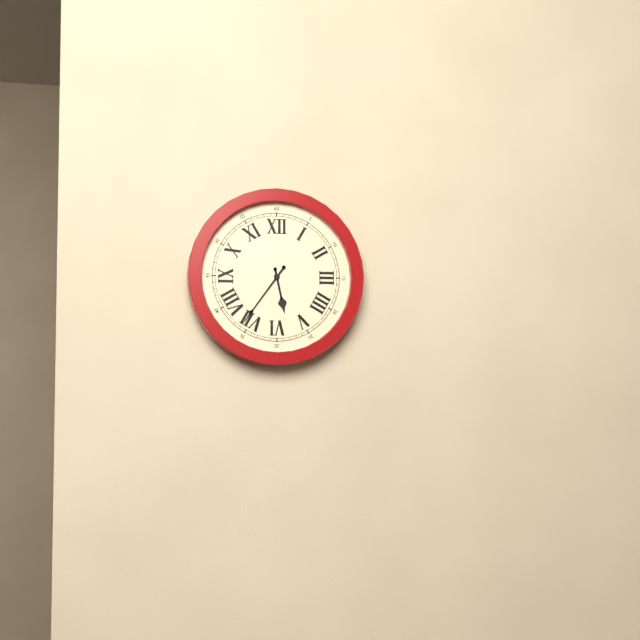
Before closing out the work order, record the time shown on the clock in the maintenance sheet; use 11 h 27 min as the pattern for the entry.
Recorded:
5 h 36 min
